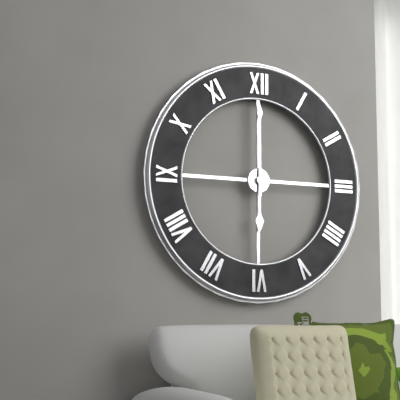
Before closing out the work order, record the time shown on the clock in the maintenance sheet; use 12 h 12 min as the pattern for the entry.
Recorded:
6 h 00 min
